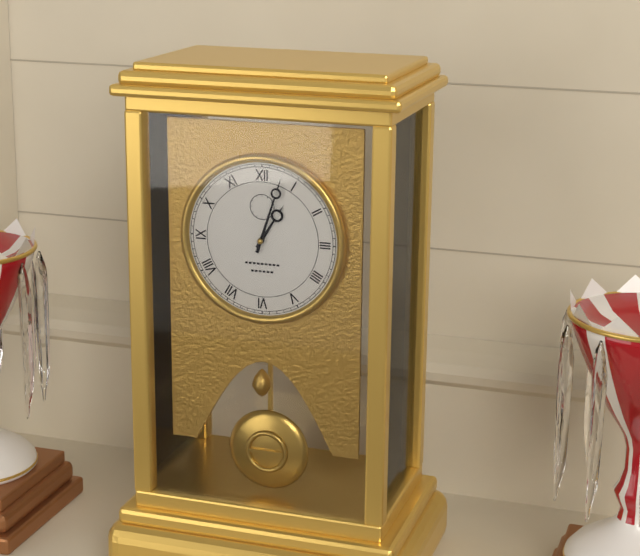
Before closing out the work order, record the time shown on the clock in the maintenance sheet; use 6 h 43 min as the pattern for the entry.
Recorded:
1 h 03 min
